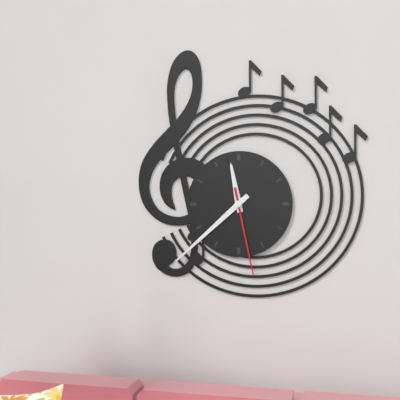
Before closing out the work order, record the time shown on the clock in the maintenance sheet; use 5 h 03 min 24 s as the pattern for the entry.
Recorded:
11 h 38 min 28 s
